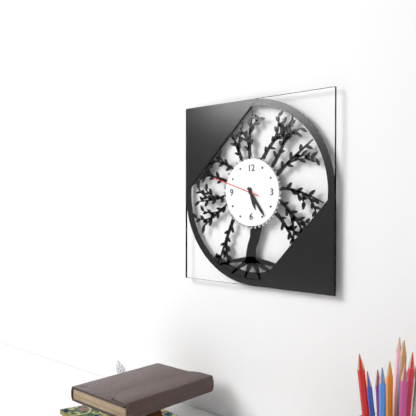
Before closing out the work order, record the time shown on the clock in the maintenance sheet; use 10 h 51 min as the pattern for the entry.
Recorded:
5 h 24 min
